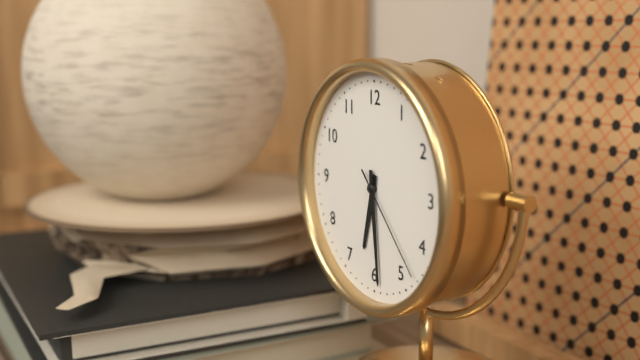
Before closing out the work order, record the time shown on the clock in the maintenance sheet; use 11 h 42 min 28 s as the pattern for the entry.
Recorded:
6 h 29 min 23 s
